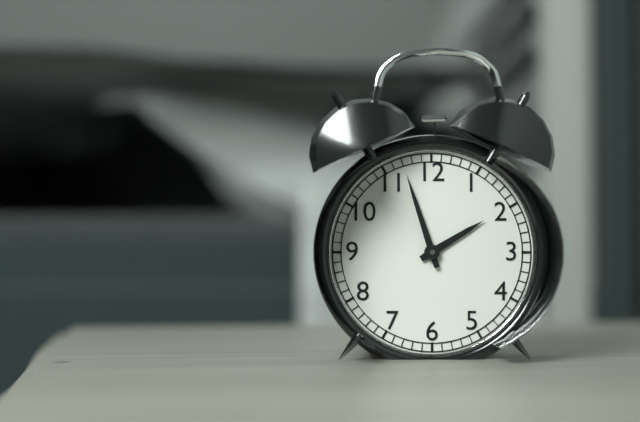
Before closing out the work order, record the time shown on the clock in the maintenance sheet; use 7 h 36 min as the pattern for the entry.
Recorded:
1 h 57 min
